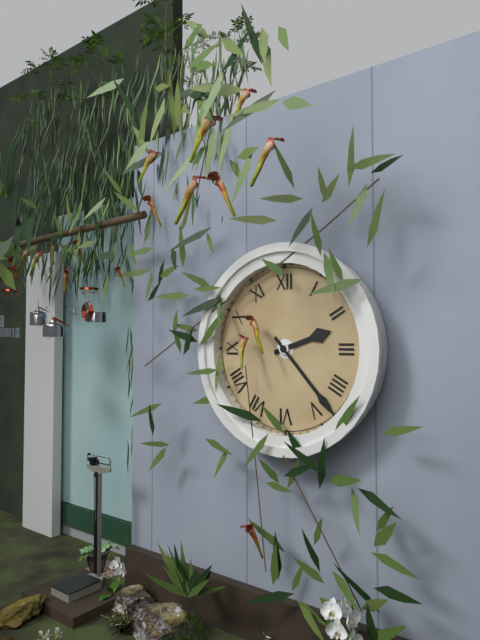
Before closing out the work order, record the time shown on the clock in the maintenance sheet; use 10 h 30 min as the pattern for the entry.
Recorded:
2 h 23 min
